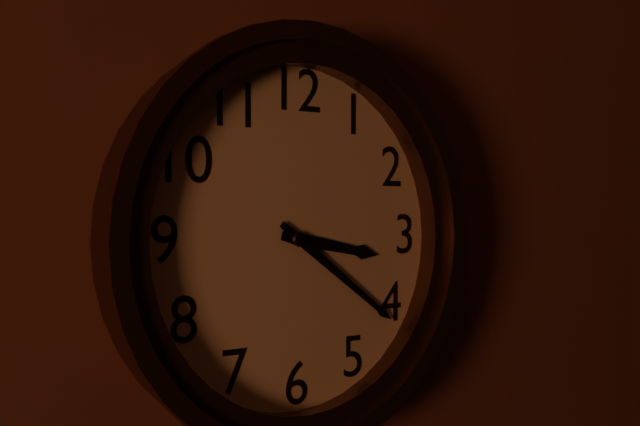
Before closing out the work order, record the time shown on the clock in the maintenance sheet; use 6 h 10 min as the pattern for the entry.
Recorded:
3 h 21 min
